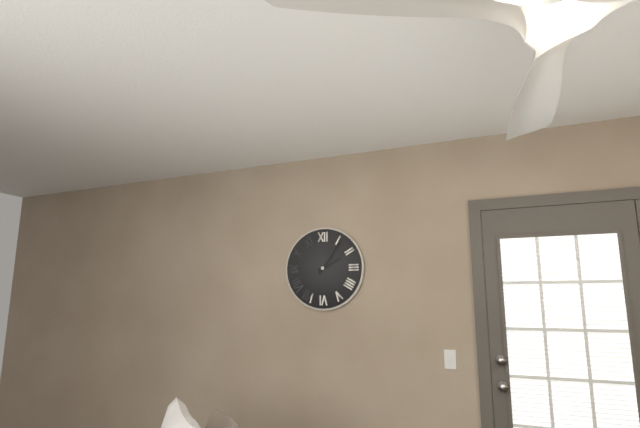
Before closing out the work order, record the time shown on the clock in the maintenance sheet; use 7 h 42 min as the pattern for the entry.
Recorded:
2 h 06 min
